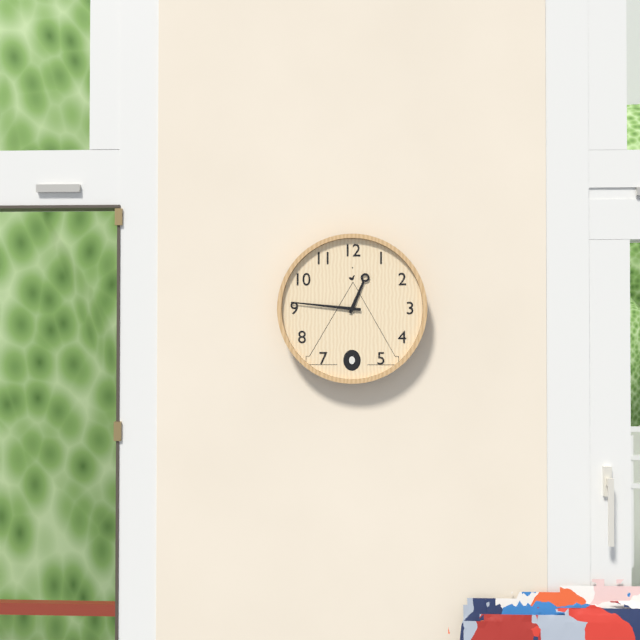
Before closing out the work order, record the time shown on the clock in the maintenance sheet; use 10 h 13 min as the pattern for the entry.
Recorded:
12 h 46 min
